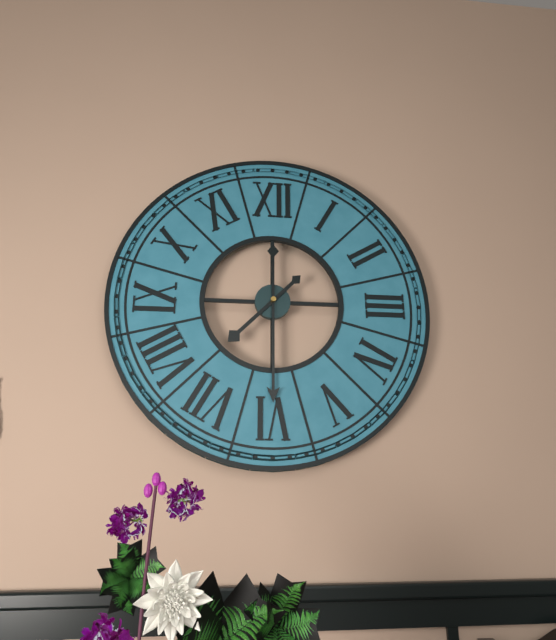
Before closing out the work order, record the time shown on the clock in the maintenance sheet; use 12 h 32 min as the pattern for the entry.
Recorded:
7 h 30 min
